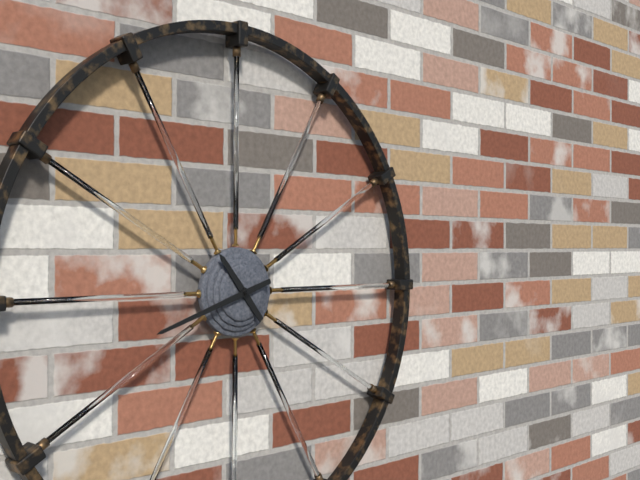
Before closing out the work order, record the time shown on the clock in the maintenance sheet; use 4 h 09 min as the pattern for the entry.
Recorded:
10 h 42 min
